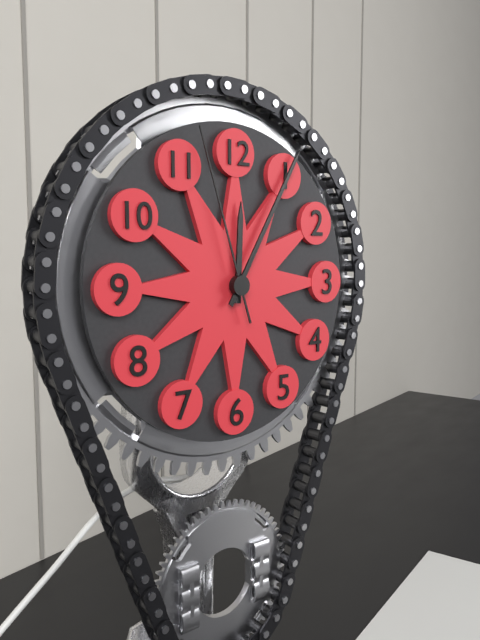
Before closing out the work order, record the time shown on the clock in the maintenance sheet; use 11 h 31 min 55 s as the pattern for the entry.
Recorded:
12 h 05 min 57 s
